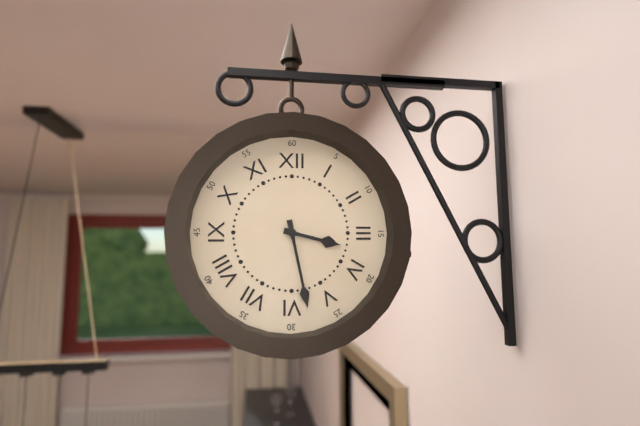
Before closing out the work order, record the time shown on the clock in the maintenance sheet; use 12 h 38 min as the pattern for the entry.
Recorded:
3 h 28 min
